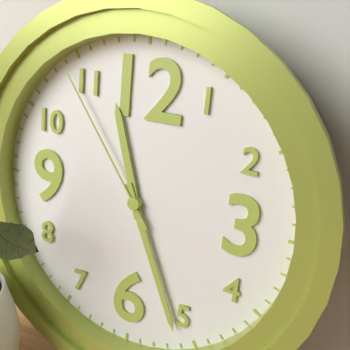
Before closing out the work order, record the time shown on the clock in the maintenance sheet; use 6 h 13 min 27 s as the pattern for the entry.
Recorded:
11 h 26 min 54 s
